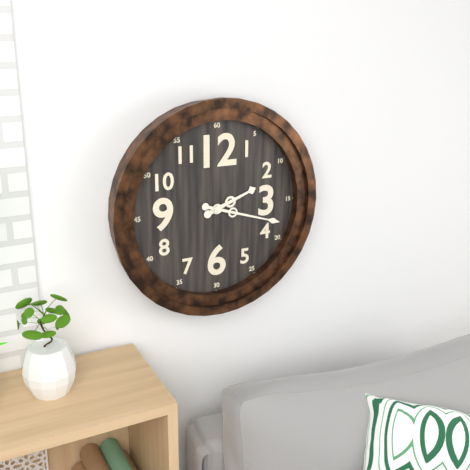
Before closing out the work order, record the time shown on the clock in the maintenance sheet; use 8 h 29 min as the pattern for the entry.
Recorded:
2 h 18 min
